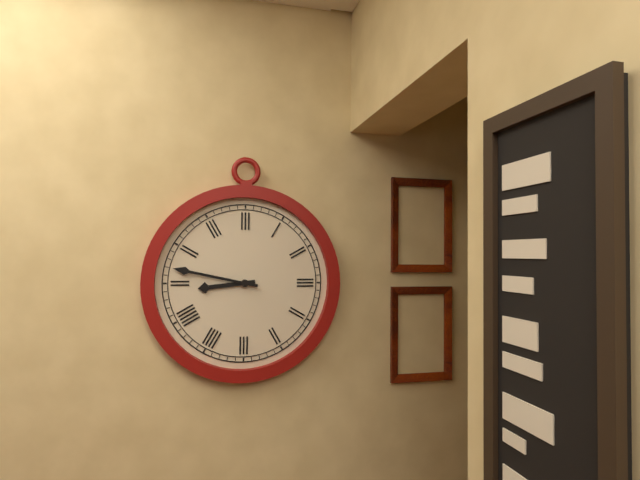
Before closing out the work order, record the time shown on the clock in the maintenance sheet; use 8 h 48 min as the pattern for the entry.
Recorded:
8 h 47 min
